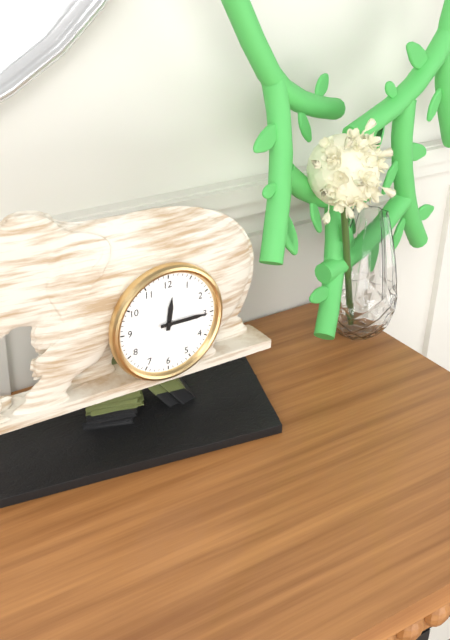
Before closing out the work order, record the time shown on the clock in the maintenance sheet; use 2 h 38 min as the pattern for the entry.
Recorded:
12 h 15 min
